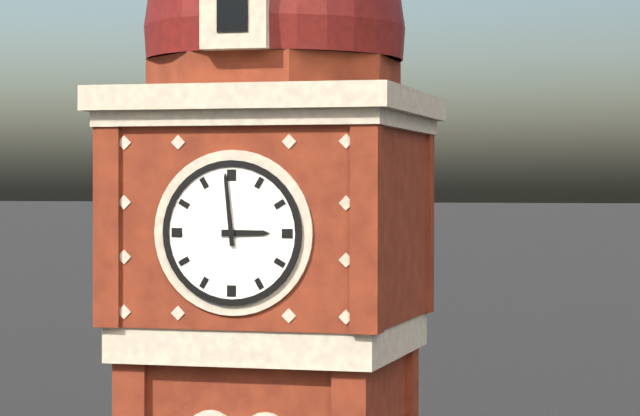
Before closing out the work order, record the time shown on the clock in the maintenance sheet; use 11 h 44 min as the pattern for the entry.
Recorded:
2 h 59 min
